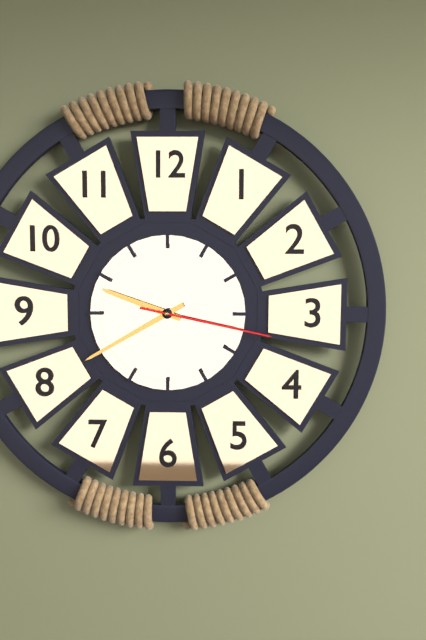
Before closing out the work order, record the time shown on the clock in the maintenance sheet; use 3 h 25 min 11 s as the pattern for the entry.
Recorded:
9 h 40 min 17 s
